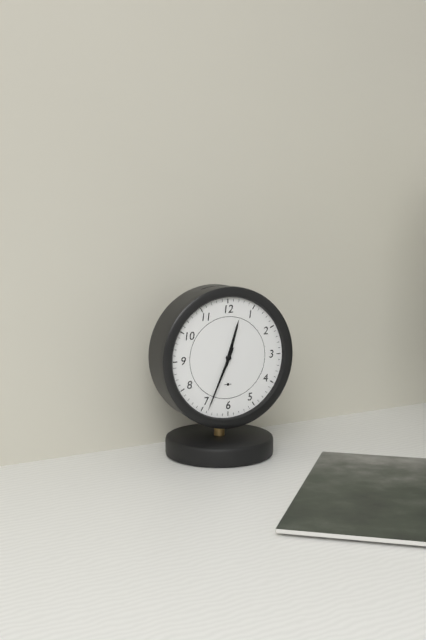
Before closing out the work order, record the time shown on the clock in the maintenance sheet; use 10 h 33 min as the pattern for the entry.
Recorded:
12 h 34 min
